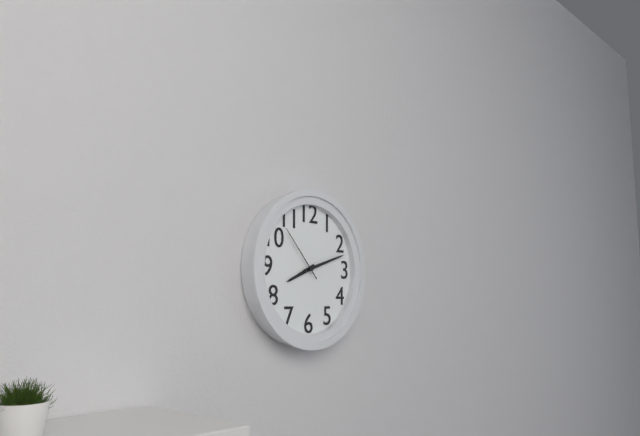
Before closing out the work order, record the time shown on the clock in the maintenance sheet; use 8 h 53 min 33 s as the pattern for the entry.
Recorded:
8 h 12 min 53 s
